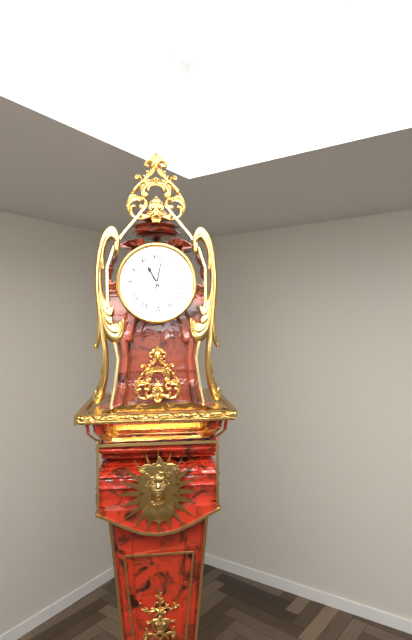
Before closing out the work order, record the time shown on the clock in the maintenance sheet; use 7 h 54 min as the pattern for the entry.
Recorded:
11 h 02 min
